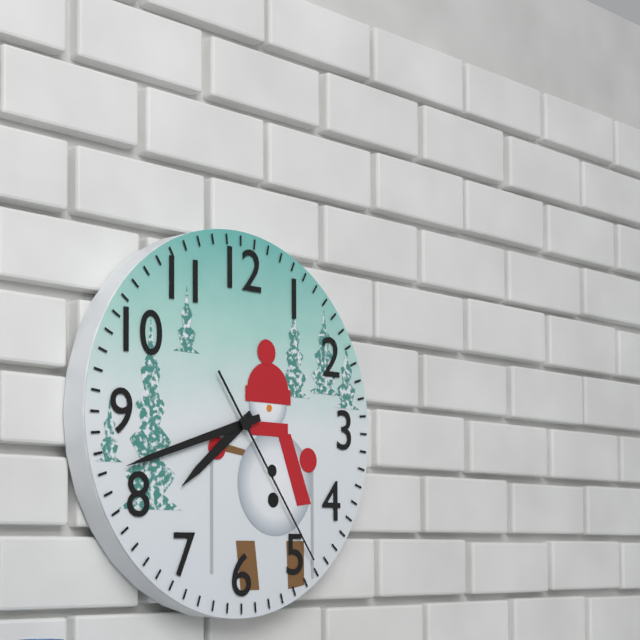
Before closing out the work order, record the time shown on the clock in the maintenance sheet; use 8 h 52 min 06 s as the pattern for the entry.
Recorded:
7 h 42 min 24 s
